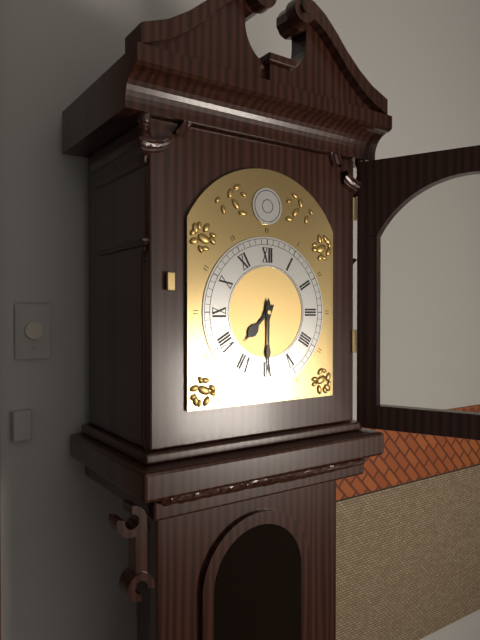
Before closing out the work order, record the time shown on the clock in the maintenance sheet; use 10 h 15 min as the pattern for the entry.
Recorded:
7 h 30 min
